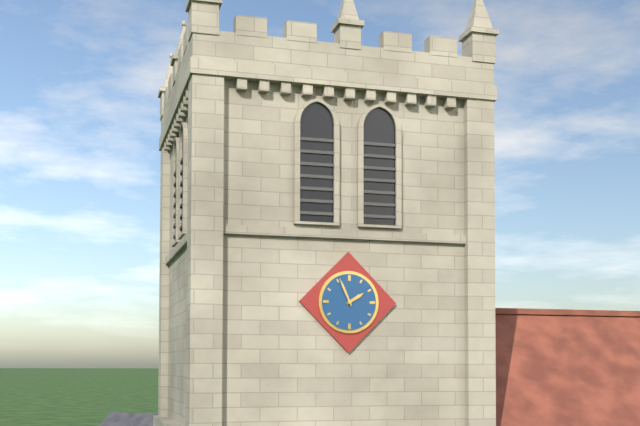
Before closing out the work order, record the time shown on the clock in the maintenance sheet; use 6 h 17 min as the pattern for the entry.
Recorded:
1 h 56 min
